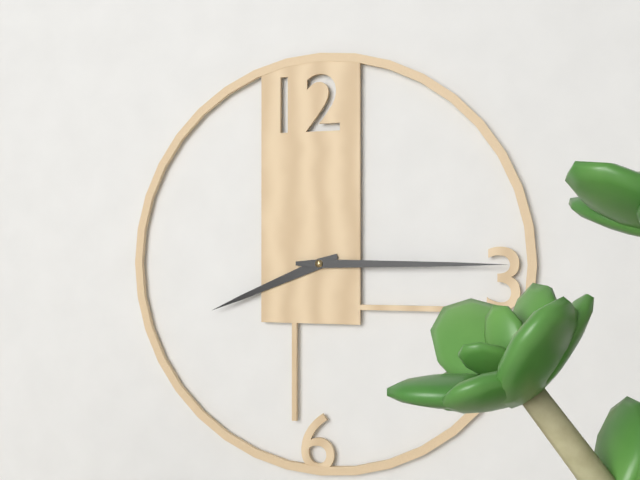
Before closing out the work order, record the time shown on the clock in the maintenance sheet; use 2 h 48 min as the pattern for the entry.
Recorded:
8 h 15 min
